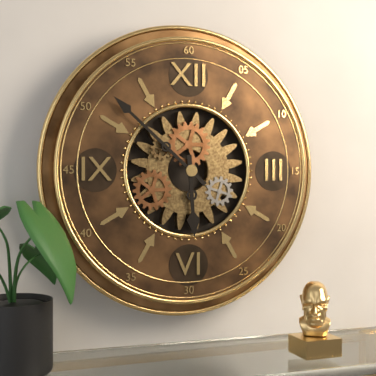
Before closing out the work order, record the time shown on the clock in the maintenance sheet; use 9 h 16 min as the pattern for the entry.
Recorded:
5 h 52 min
